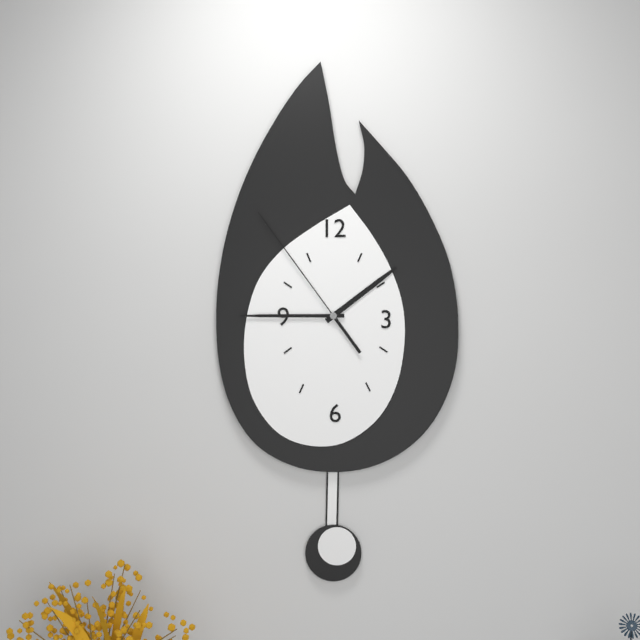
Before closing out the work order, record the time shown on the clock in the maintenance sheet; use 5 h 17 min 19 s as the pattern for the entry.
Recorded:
1 h 45 min 54 s
